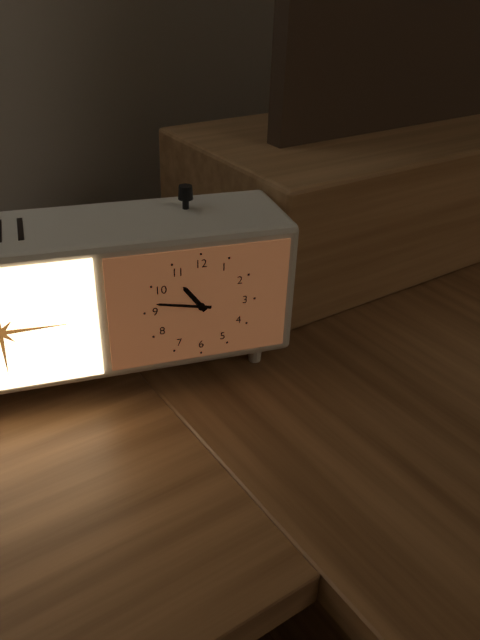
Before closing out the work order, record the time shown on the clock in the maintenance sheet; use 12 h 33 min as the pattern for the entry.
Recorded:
10 h 47 min
